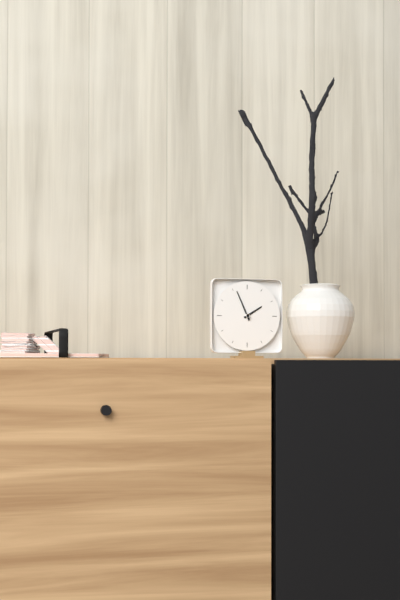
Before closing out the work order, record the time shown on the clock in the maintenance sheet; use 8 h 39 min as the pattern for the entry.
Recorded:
1 h 56 min
